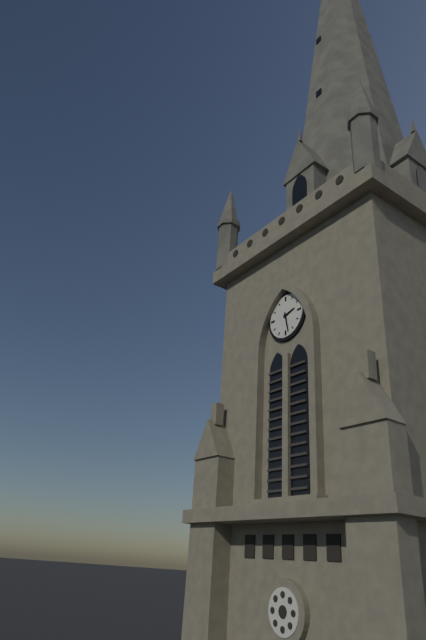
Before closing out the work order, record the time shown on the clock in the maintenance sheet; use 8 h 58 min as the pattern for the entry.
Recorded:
2 h 28 min
